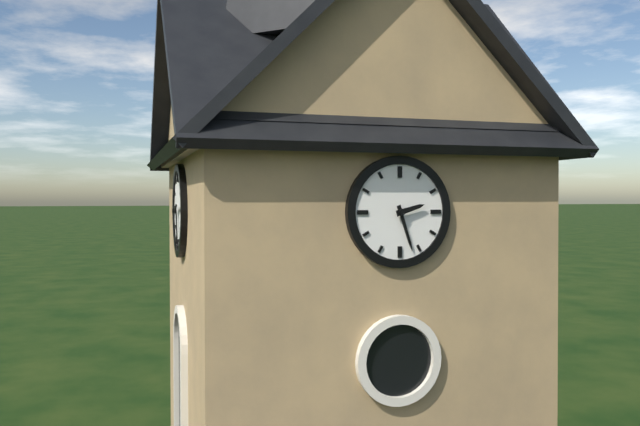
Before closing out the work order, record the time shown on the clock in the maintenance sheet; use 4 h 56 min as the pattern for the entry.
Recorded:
2 h 27 min
